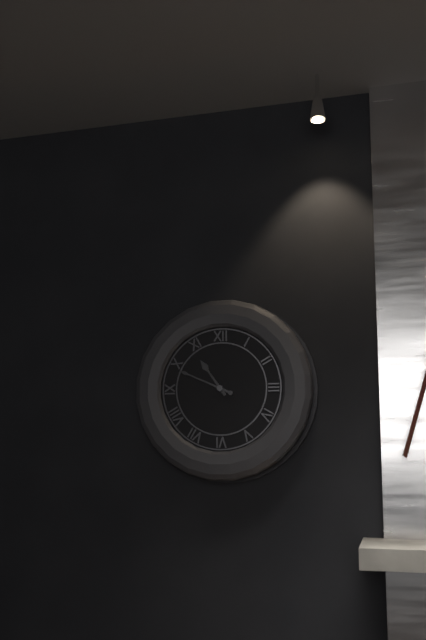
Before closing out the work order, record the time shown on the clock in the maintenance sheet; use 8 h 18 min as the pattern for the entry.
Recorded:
10 h 49 min
